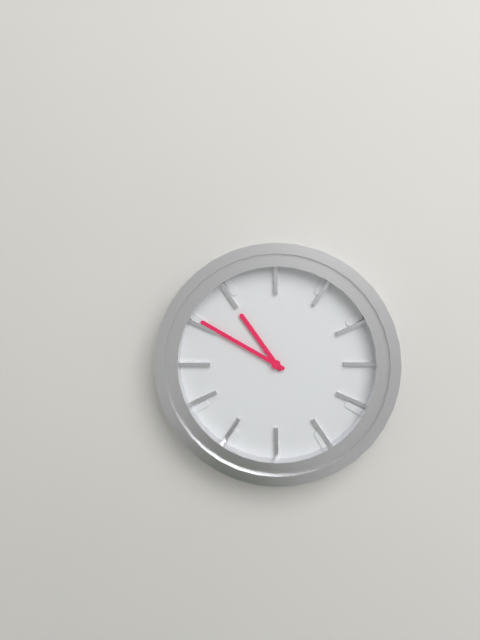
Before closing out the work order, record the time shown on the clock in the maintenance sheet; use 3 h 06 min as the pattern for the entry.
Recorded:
10 h 50 min
